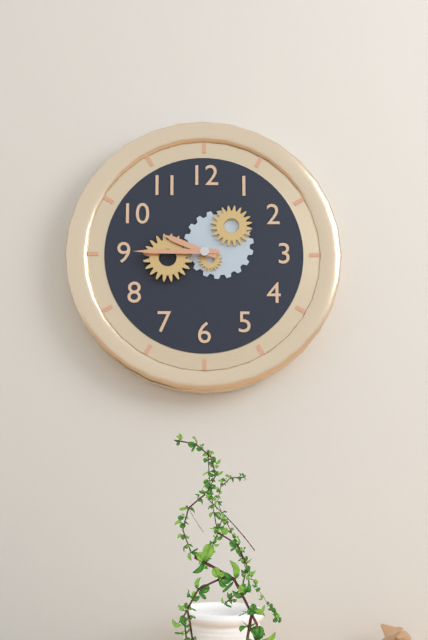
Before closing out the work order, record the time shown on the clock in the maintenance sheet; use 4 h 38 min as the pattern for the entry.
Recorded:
9 h 45 min
